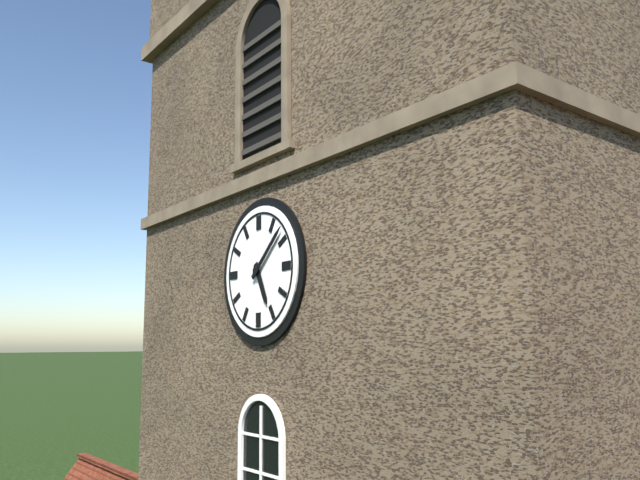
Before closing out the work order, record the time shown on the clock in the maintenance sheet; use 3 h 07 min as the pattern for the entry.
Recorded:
5 h 08 min
